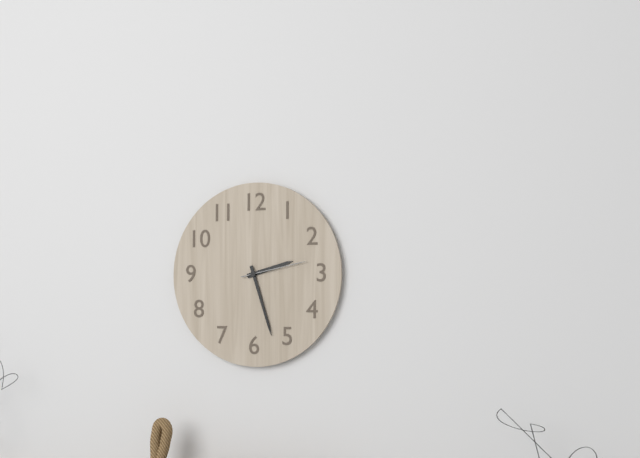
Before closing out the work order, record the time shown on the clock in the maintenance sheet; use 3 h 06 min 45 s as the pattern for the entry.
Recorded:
2 h 27 min 13 s
